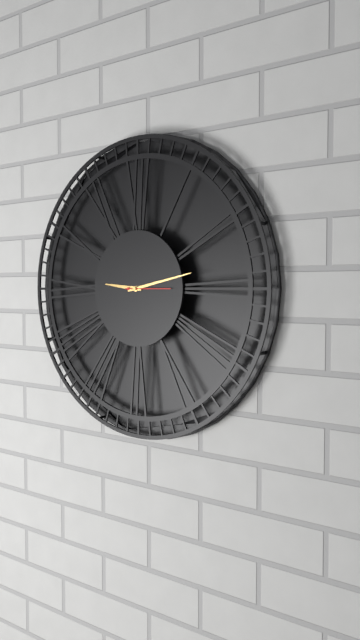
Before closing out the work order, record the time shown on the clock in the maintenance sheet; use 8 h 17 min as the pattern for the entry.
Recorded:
9 h 13 min
